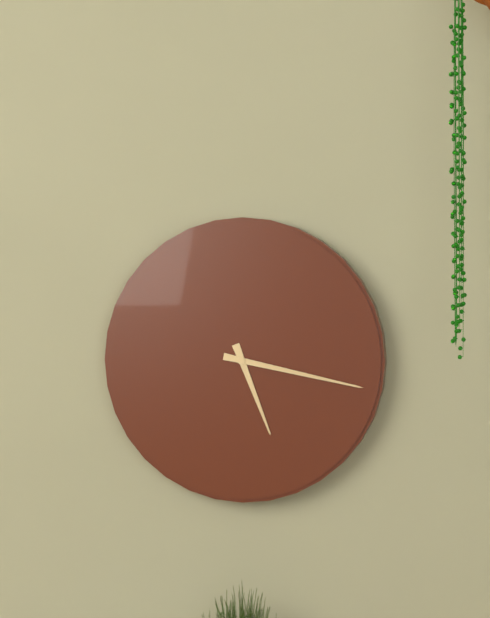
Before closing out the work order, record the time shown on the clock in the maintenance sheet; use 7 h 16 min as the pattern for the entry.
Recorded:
5 h 17 min
